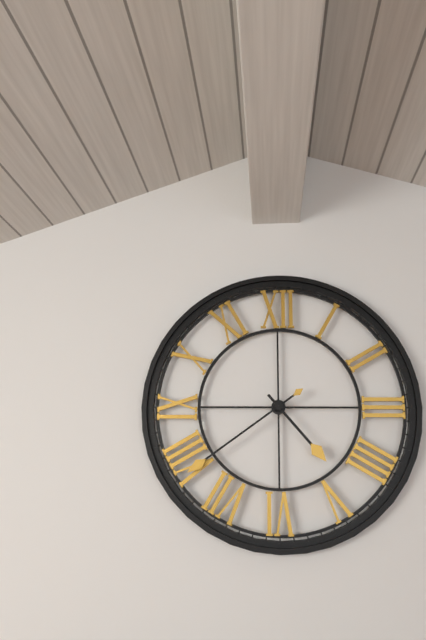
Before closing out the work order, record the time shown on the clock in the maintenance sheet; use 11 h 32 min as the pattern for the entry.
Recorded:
4 h 39 min
